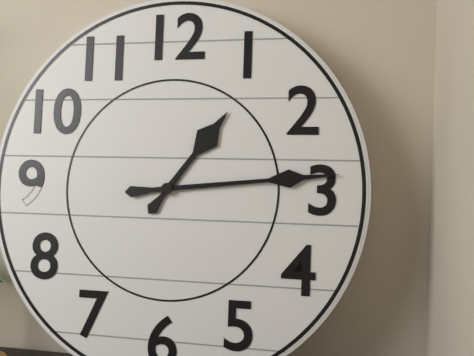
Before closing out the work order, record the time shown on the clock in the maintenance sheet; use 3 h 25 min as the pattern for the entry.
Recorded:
1 h 14 min
